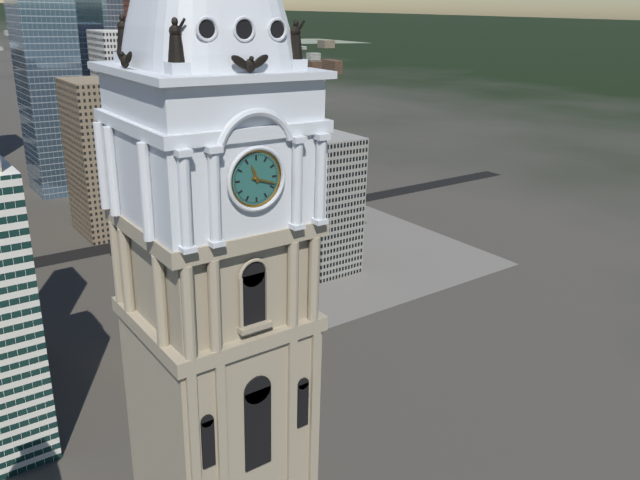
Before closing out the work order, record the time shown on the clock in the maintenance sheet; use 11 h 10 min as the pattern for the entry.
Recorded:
11 h 18 min
